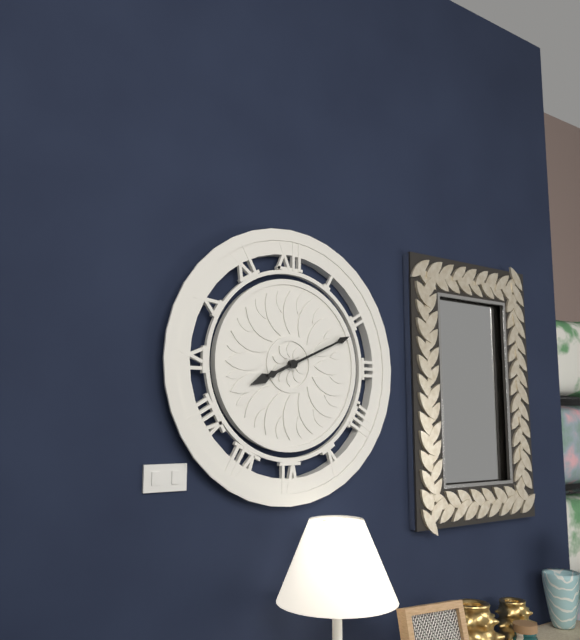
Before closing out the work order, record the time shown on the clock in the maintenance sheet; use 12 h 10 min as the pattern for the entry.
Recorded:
8 h 11 min
